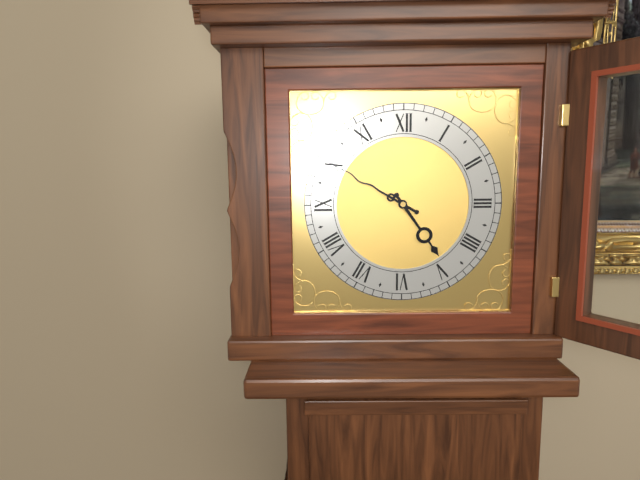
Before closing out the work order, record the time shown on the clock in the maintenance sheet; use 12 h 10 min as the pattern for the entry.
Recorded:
4 h 50 min
